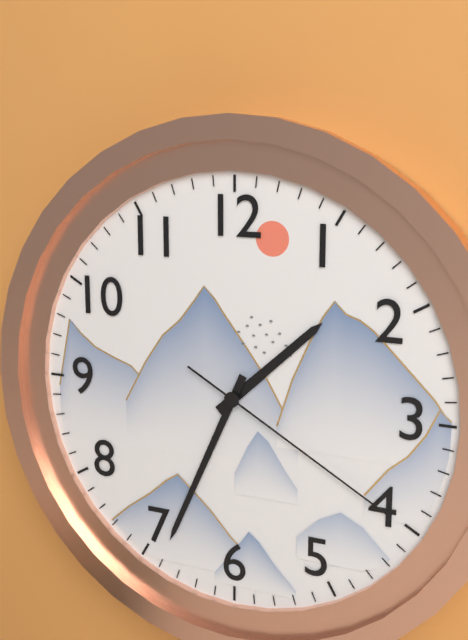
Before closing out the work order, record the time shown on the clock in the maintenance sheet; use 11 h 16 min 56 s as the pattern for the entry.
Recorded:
1 h 34 min 20 s
